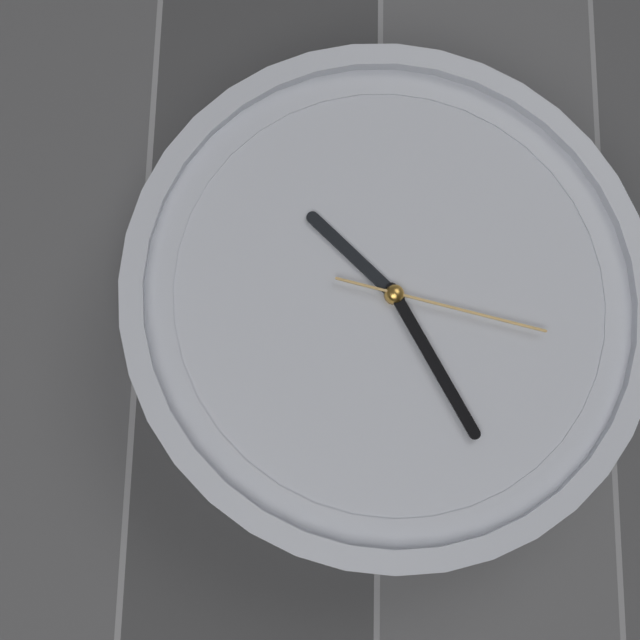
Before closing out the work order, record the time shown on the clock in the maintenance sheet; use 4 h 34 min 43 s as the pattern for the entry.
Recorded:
10 h 25 min 17 s
